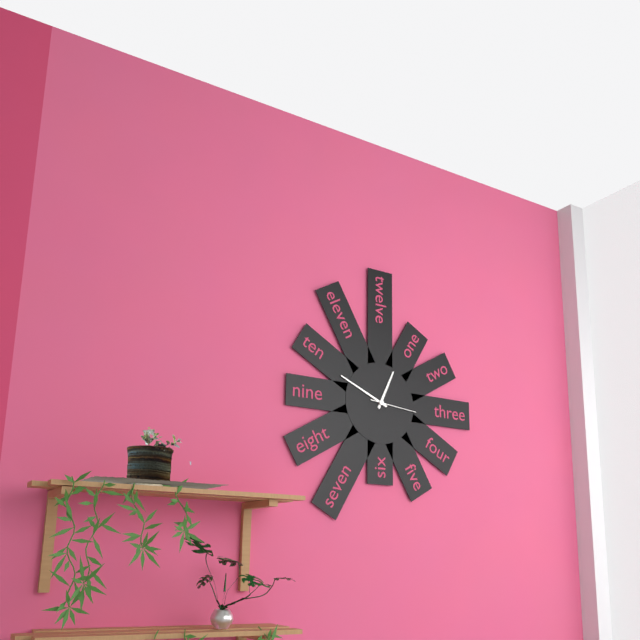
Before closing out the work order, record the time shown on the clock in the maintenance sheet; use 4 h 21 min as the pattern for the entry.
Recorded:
12 h 49 min
